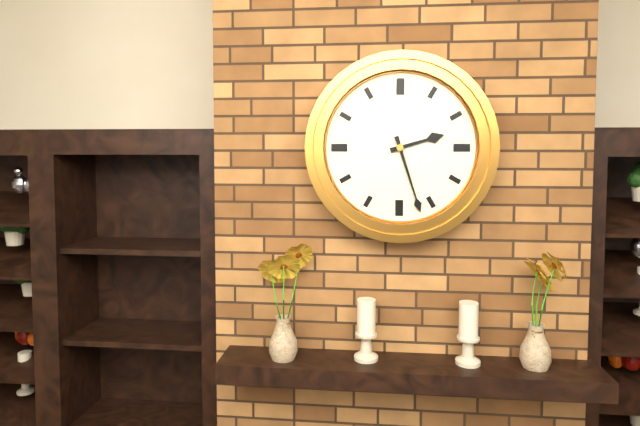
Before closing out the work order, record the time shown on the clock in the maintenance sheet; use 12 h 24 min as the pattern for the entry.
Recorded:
2 h 27 min
